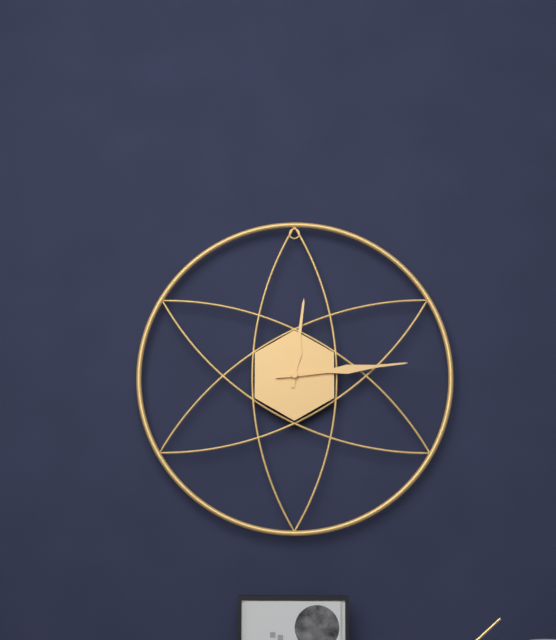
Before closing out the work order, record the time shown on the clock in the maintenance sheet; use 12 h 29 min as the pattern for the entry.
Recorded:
12 h 14 min
